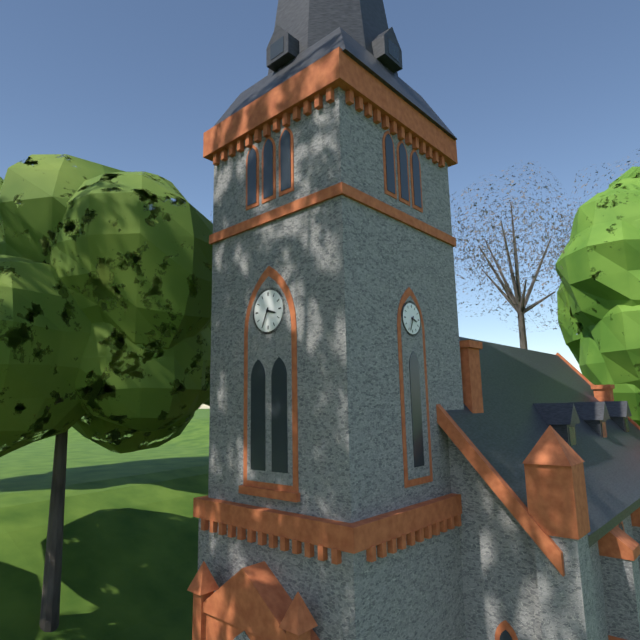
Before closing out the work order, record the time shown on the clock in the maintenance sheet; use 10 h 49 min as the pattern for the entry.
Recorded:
3 h 34 min
